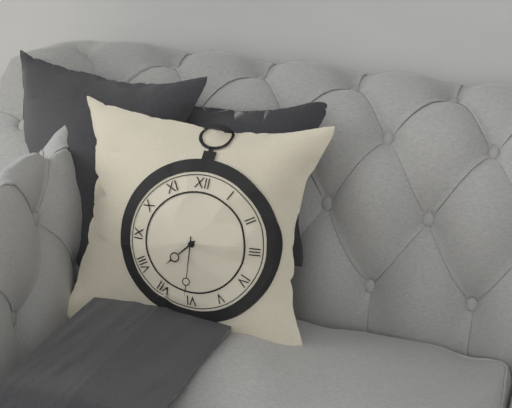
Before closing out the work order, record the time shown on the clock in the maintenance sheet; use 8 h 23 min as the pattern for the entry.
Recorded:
7 h 30 min
